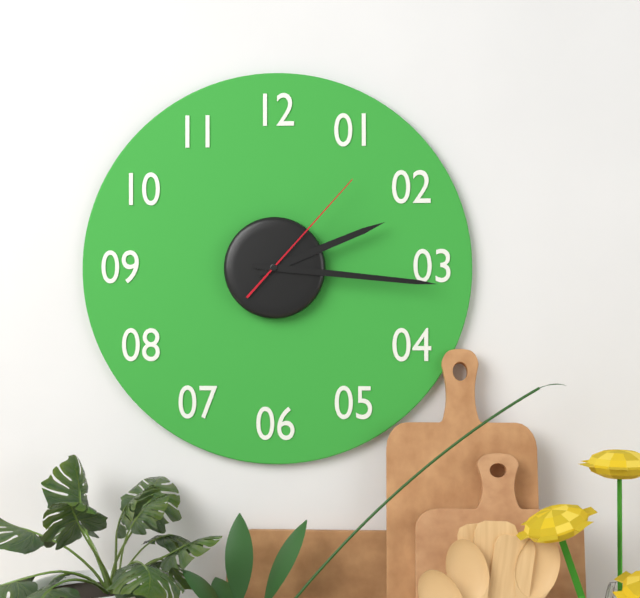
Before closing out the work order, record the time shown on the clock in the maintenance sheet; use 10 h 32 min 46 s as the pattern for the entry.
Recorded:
2 h 16 min 07 s
